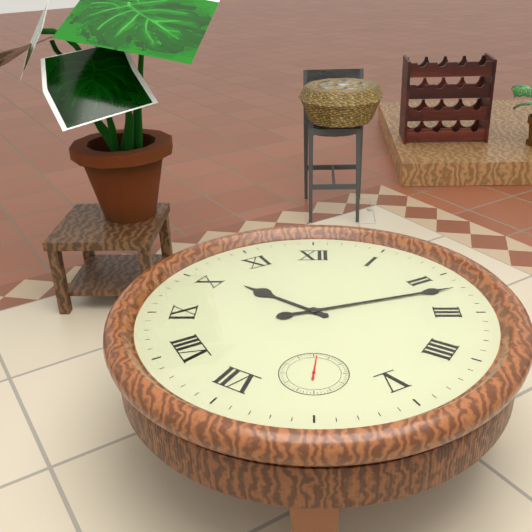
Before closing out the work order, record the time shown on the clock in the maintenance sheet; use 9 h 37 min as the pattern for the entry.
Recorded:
10 h 12 min
